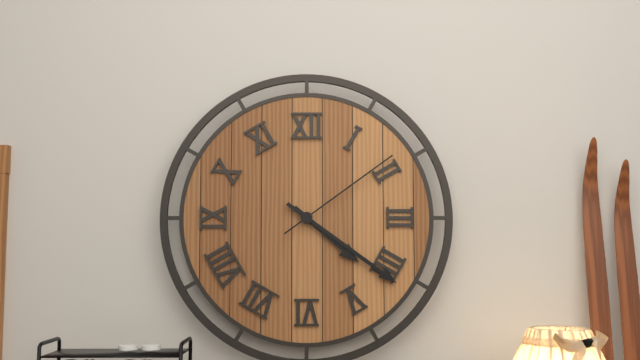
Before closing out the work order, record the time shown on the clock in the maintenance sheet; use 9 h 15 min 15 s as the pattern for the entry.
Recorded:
4 h 21 min 09 s
